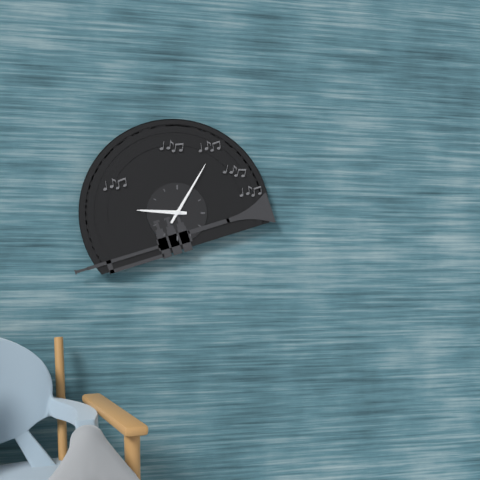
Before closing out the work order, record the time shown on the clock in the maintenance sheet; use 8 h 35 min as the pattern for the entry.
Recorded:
9 h 05 min
